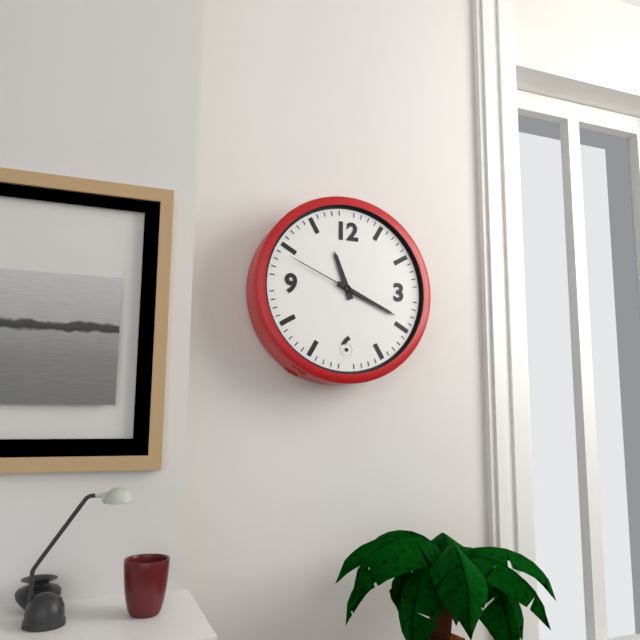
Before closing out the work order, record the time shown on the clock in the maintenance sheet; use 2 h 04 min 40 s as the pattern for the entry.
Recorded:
11 h 19 min 49 s
